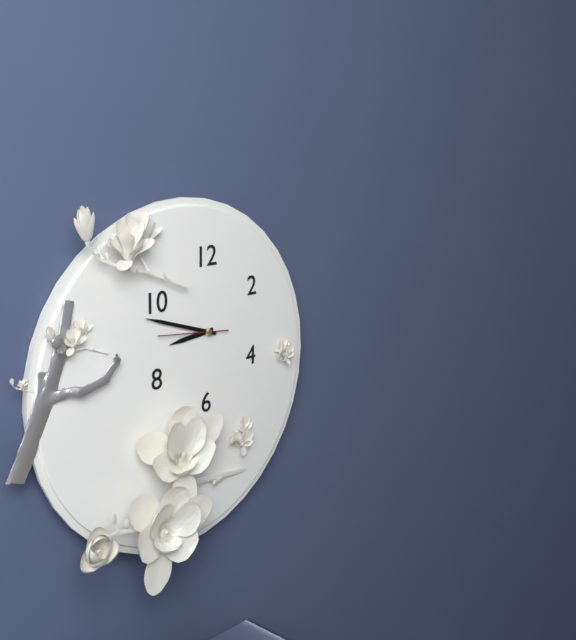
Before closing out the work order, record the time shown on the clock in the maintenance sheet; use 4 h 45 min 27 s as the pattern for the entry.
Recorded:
8 h 48 min 46 s
